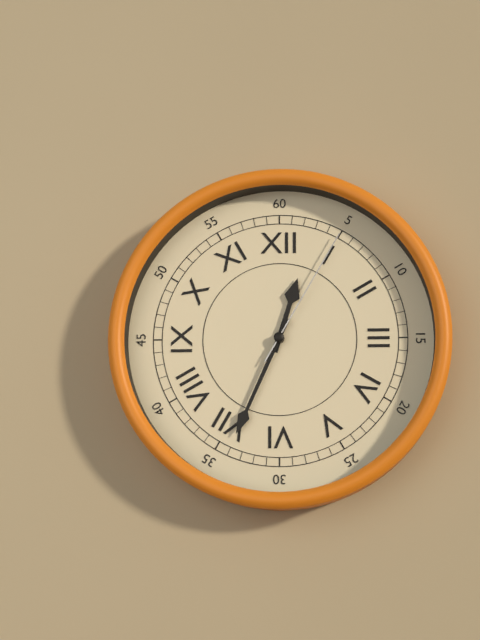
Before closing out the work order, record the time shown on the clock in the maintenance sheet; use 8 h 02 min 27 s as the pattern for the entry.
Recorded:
12 h 34 min 05 s
